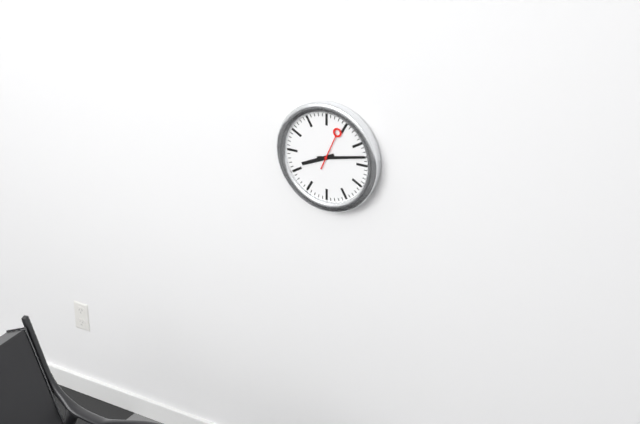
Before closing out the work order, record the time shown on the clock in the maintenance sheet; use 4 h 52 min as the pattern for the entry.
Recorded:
8 h 13 min
